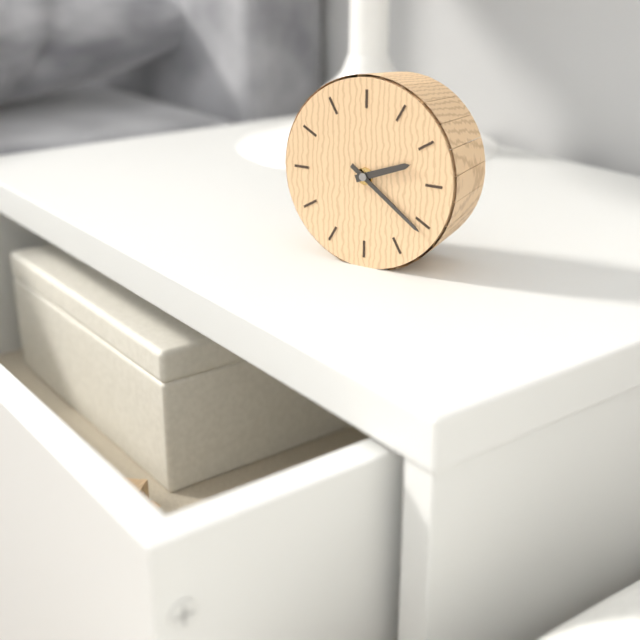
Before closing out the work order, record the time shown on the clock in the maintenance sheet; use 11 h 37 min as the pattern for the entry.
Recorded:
2 h 21 min
